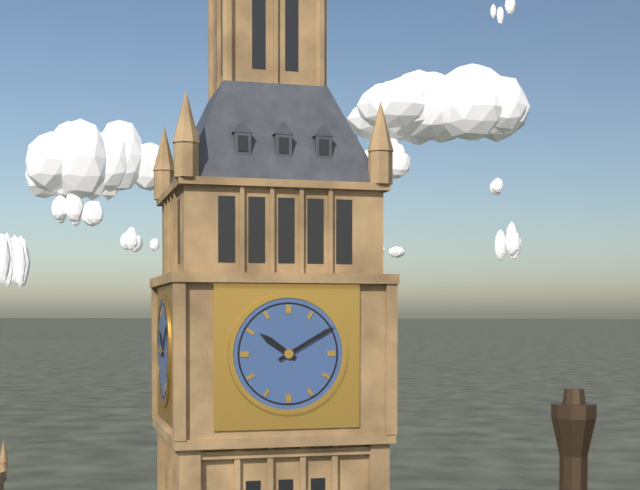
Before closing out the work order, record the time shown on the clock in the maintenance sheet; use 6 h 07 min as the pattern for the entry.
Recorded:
10 h 10 min
